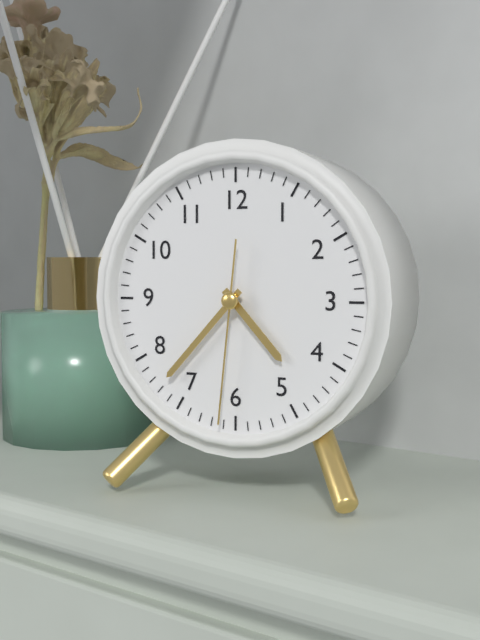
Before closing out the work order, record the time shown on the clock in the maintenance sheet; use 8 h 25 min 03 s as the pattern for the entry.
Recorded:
4 h 37 min 31 s
